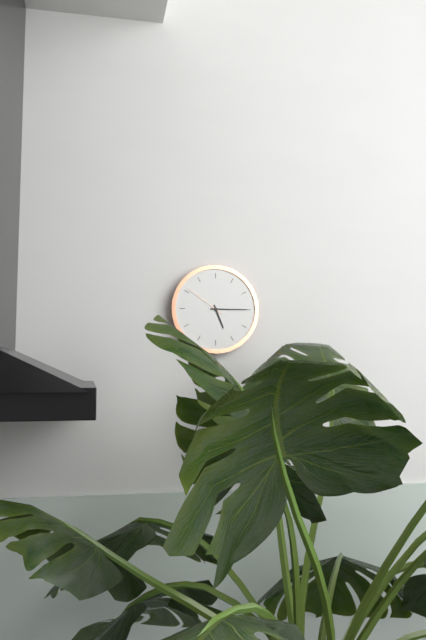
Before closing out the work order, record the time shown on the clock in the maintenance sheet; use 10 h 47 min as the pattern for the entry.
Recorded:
5 h 15 min
